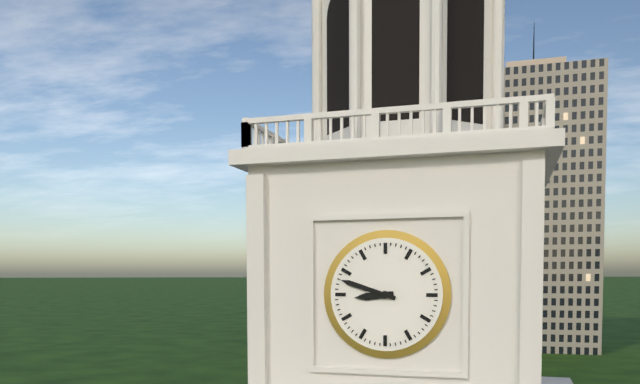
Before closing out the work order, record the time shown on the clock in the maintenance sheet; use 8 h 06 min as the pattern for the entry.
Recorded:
8 h 48 min
